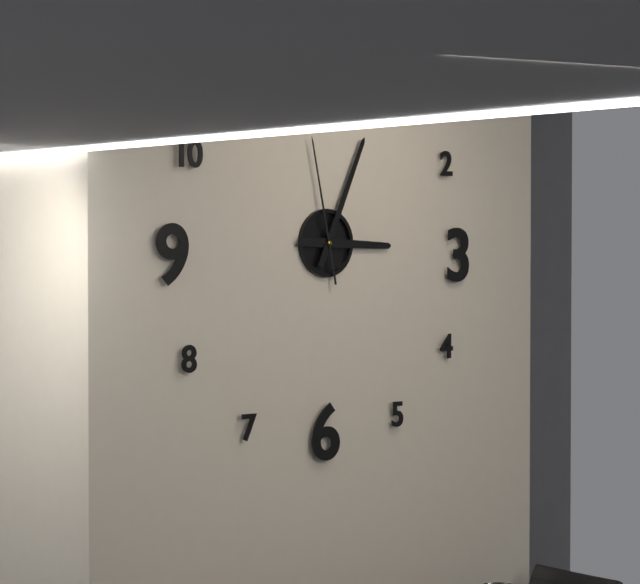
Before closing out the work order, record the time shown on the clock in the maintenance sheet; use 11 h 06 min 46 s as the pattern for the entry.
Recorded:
3 h 04 min 58 s
